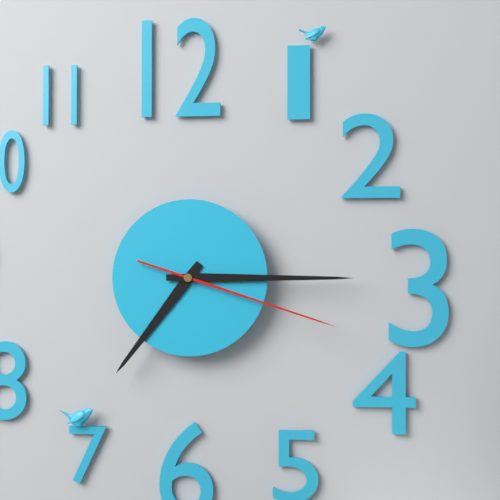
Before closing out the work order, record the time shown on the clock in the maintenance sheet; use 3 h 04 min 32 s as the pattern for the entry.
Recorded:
7 h 15 min 18 s
